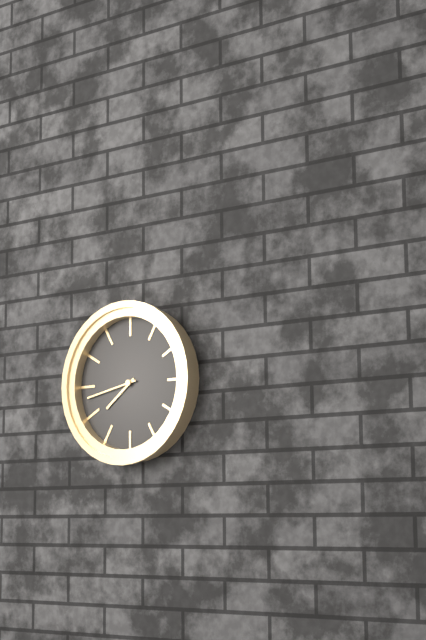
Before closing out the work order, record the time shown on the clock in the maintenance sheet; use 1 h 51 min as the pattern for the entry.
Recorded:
7 h 43 min
